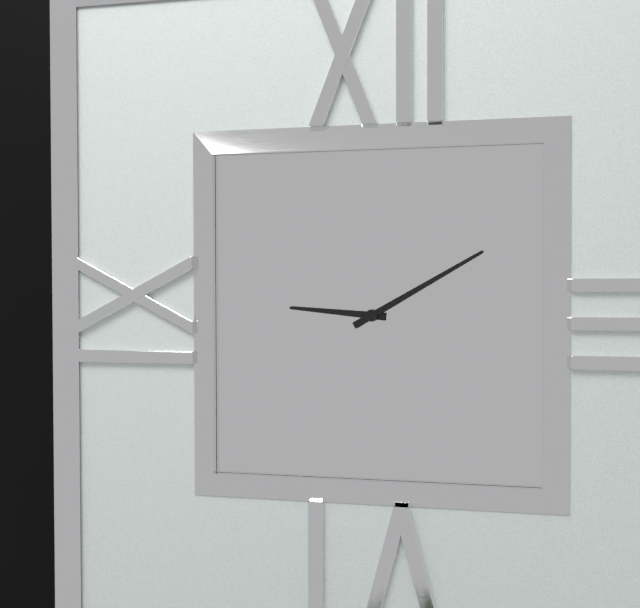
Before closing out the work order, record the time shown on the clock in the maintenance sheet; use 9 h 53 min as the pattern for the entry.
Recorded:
9 h 10 min
